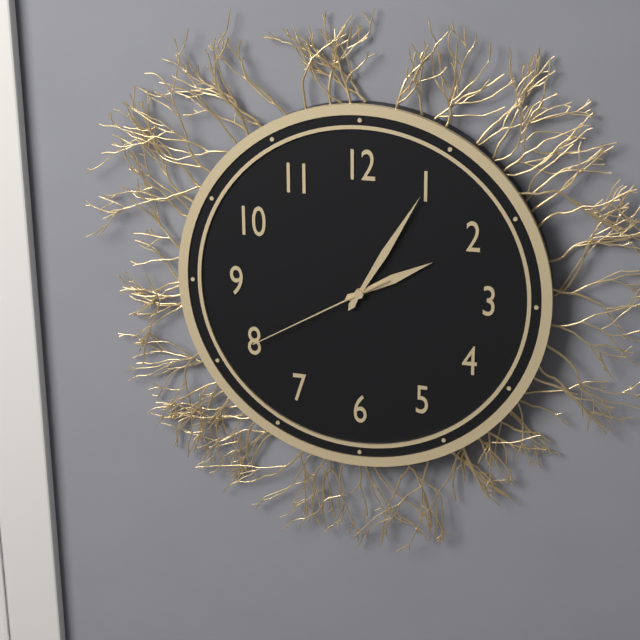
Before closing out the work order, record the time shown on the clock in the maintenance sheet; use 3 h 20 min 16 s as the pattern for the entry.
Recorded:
2 h 05 min 40 s
